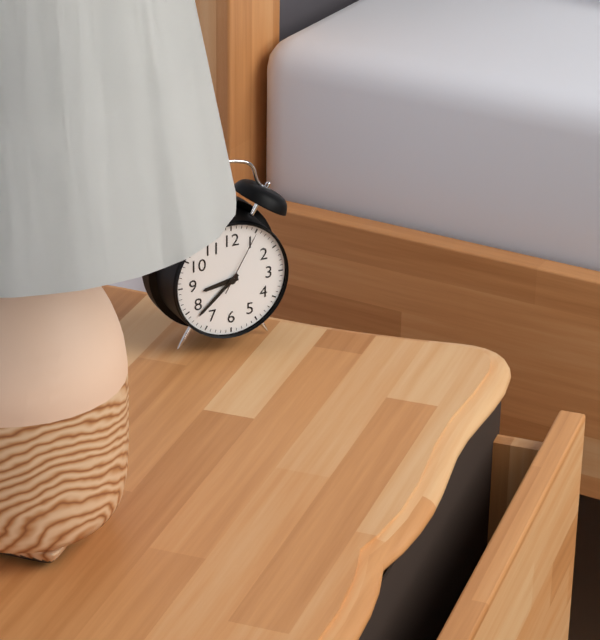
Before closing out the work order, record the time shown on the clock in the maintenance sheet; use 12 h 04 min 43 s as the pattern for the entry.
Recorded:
8 h 38 min 05 s
